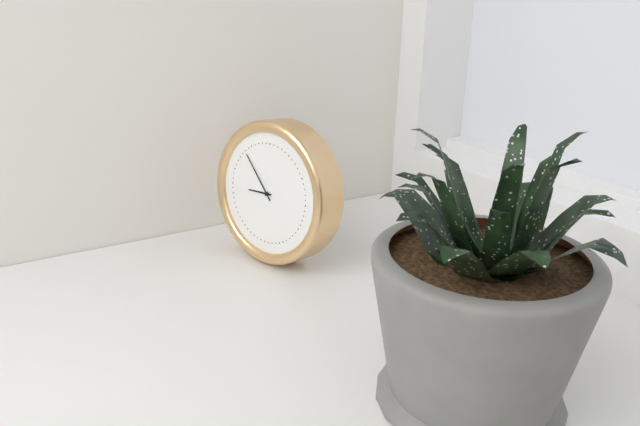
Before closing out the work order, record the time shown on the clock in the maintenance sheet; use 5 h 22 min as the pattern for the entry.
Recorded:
8 h 53 min
